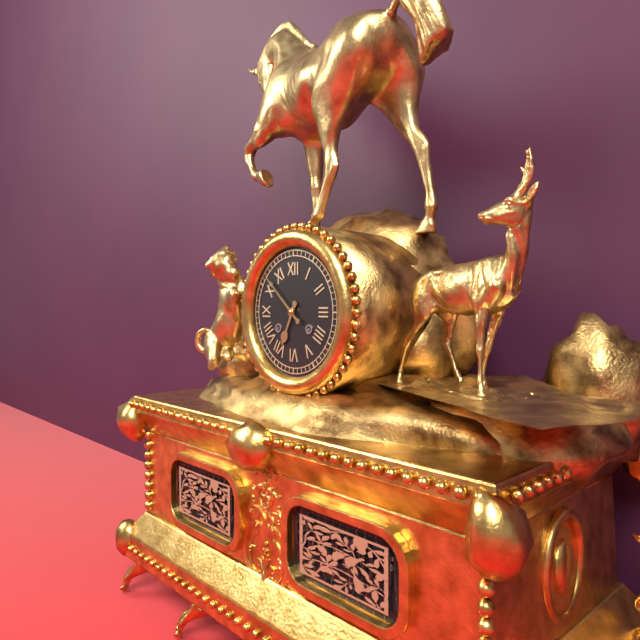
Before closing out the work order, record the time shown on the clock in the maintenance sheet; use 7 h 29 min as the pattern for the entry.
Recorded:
6 h 52 min
